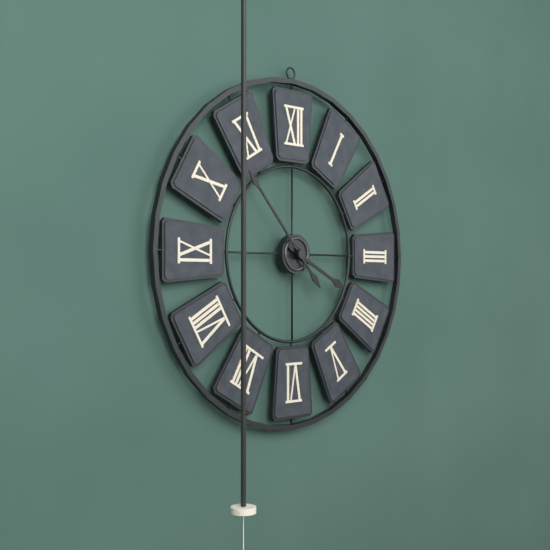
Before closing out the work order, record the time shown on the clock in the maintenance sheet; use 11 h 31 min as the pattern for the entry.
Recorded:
3 h 53 min
